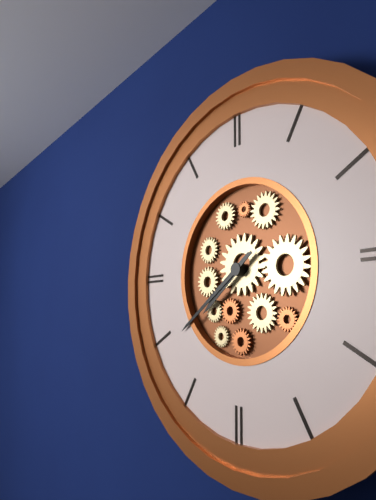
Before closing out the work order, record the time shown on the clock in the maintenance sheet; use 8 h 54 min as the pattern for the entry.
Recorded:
7 h 39 min
